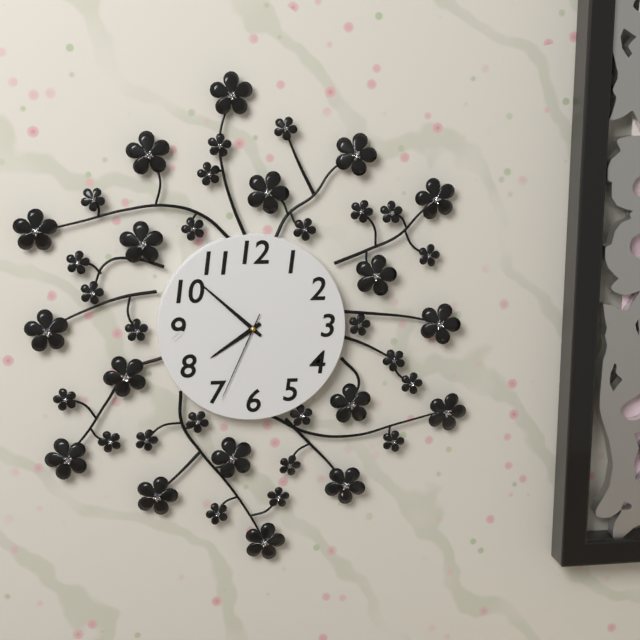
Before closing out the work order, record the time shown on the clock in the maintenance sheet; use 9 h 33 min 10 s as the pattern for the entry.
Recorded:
7 h 52 min 34 s
